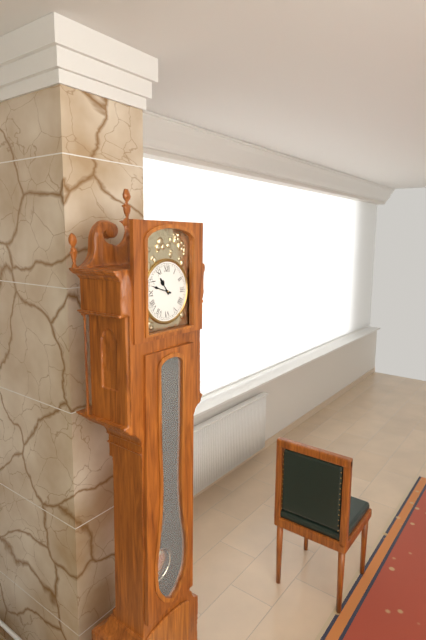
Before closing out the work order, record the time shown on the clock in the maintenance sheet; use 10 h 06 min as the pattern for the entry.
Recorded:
10 h 48 min
